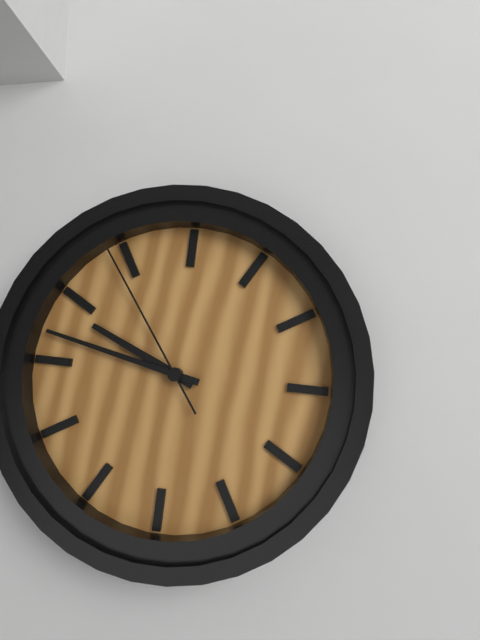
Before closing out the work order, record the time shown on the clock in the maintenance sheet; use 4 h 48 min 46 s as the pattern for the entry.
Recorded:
9 h 47 min 54 s
